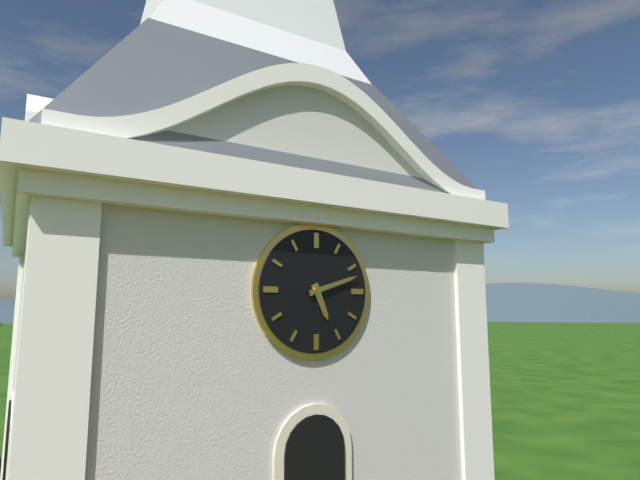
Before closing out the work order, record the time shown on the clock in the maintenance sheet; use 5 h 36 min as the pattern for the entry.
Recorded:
5 h 12 min
